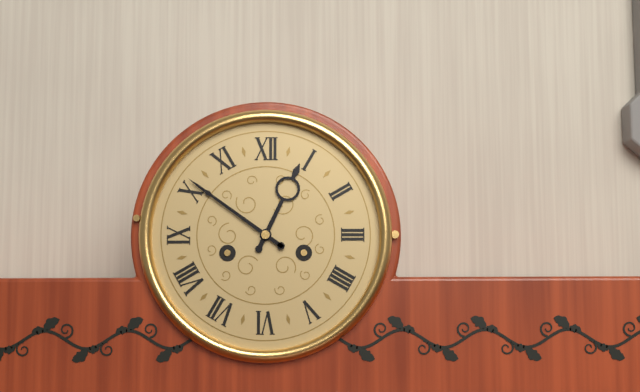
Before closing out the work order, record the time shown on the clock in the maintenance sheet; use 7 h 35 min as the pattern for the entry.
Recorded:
12 h 51 min
